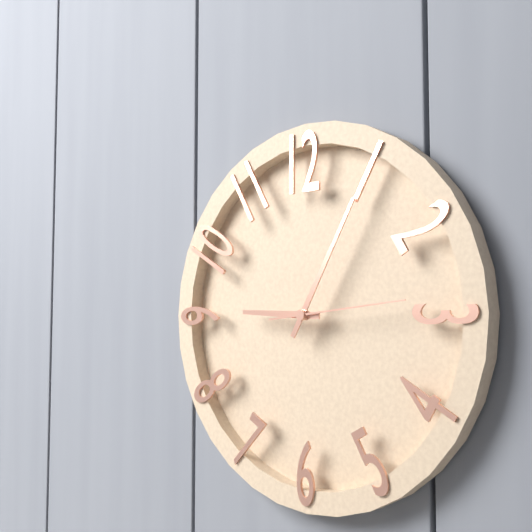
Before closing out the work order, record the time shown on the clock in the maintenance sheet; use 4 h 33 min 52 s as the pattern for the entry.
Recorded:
9 h 05 min 14 s
